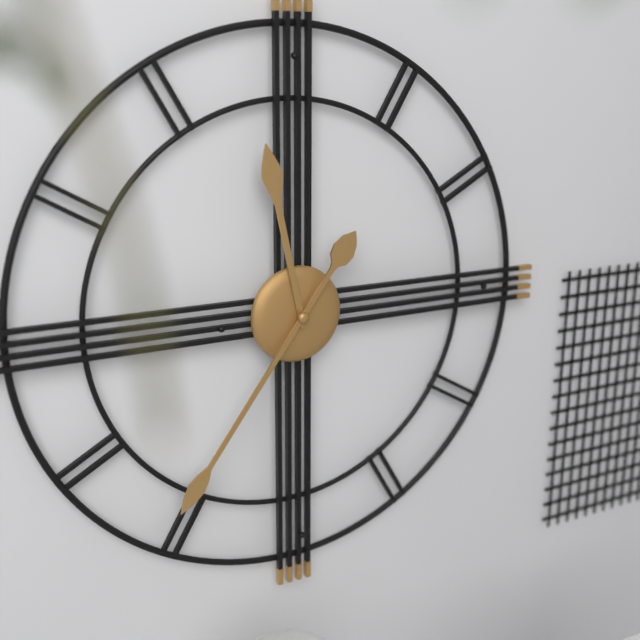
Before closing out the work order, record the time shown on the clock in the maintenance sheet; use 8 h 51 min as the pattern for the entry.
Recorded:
11 h 36 min
